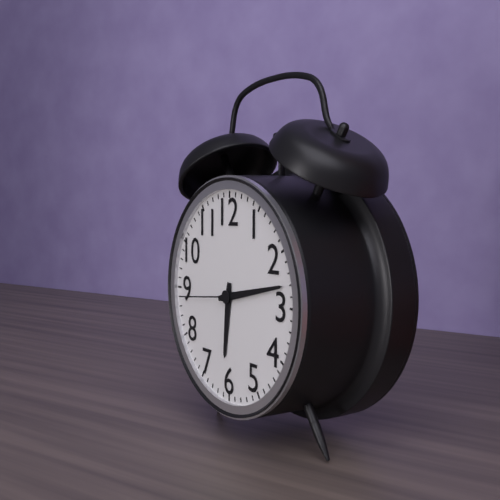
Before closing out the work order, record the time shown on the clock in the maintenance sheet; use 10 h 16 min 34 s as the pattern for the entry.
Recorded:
6 h 13 min 44 s
